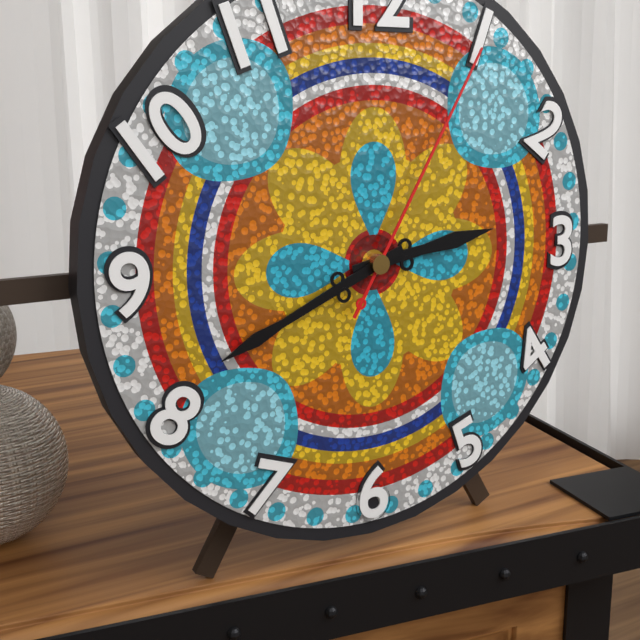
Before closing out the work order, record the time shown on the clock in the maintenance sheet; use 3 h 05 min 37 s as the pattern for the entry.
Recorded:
2 h 41 min 05 s
